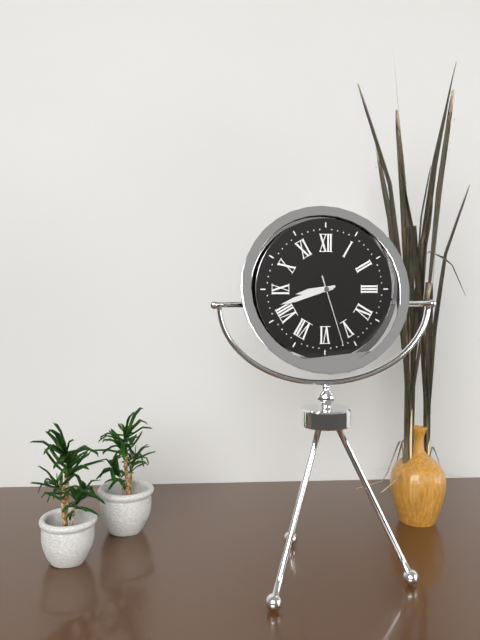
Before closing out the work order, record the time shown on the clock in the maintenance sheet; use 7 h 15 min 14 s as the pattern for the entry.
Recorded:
8 h 42 min 27 s
